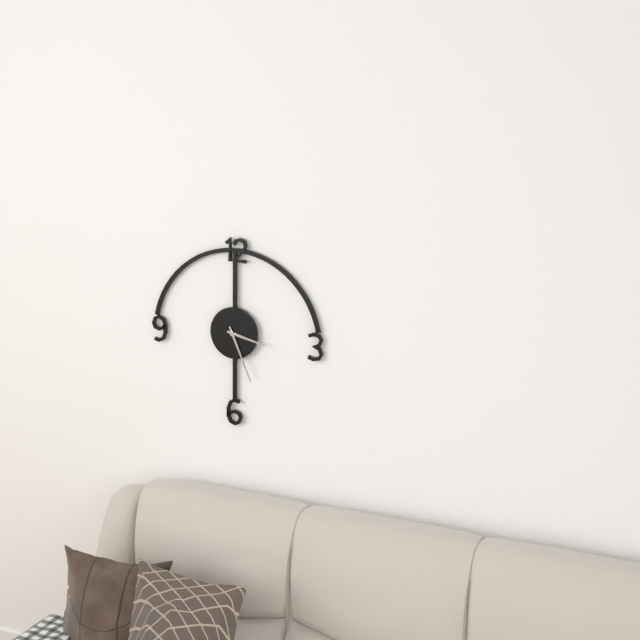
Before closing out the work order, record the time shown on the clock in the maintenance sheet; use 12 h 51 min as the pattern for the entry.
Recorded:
3 h 26 min
